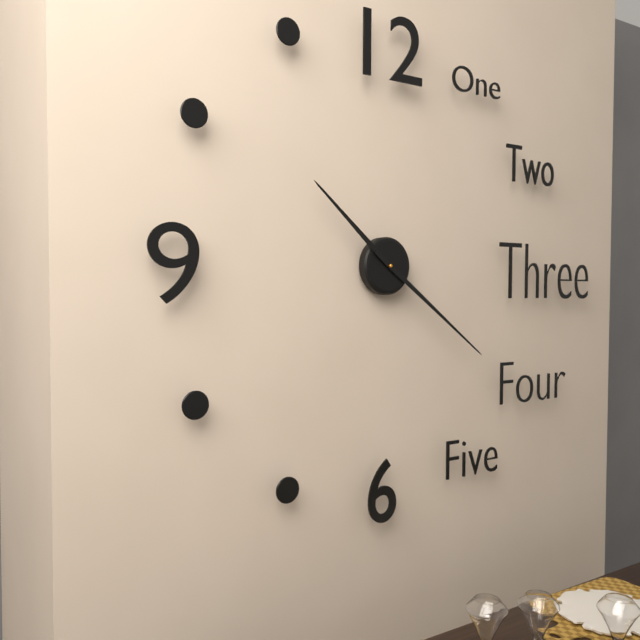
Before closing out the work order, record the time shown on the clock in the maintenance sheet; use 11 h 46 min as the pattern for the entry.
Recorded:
10 h 21 min
